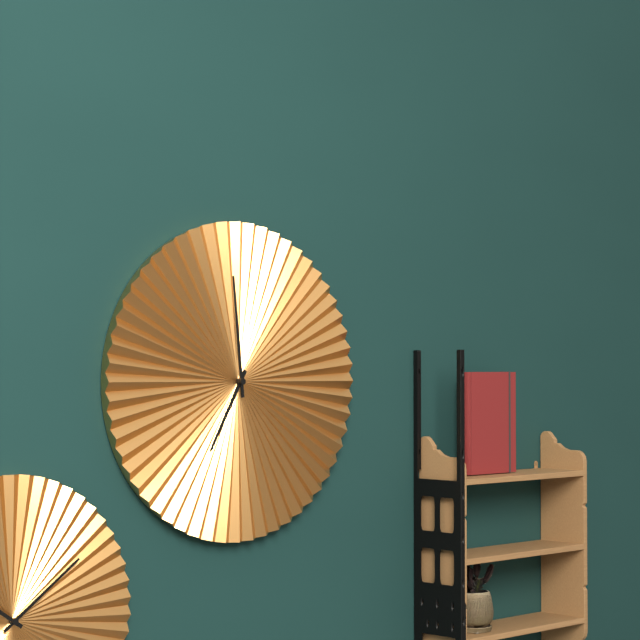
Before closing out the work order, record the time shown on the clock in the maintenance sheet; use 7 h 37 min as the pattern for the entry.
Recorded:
6 h 59 min
